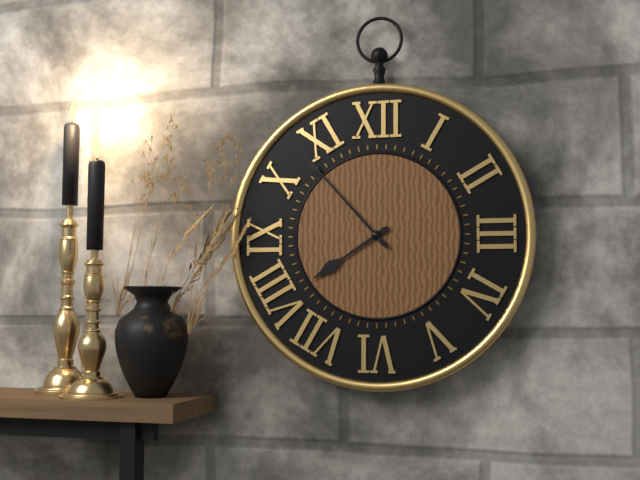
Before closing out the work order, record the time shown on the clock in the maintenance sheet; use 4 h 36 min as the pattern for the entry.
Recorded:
7 h 53 min
